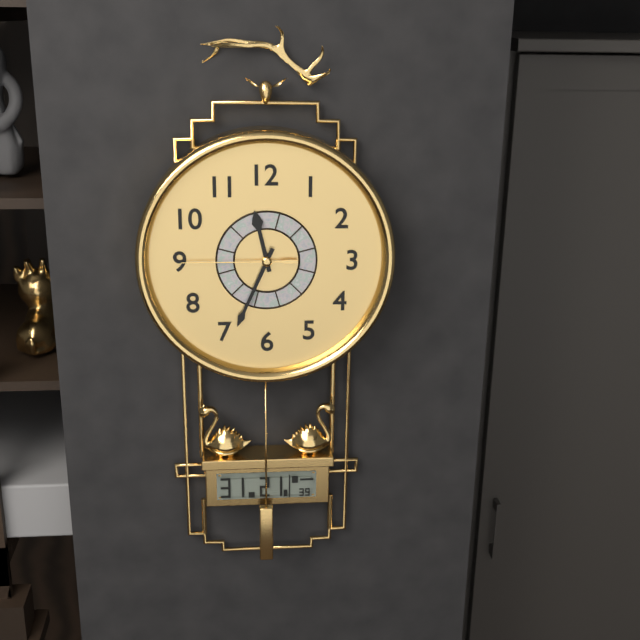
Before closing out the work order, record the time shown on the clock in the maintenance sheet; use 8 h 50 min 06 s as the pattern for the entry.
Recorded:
11 h 34 min 45 s
